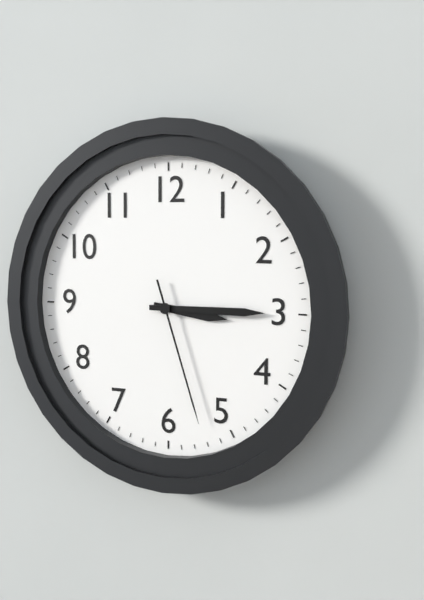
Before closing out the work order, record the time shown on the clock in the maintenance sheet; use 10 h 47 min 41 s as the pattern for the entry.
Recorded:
3 h 15 min 27 s
